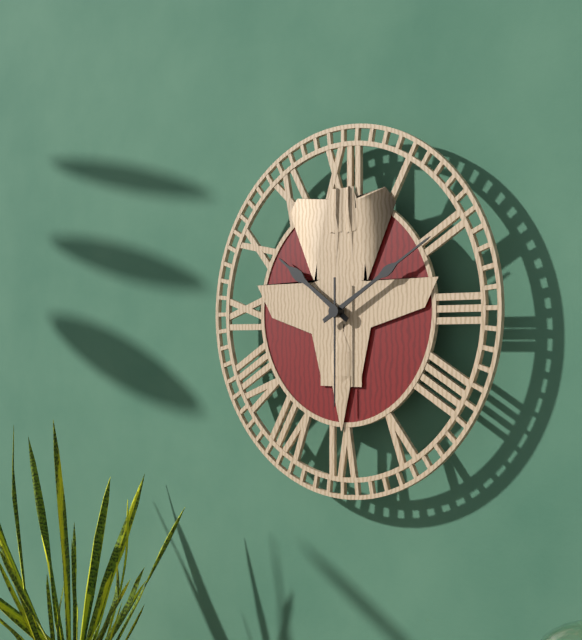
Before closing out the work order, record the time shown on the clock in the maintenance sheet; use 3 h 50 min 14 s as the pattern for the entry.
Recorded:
10 h 10 min 30 s
